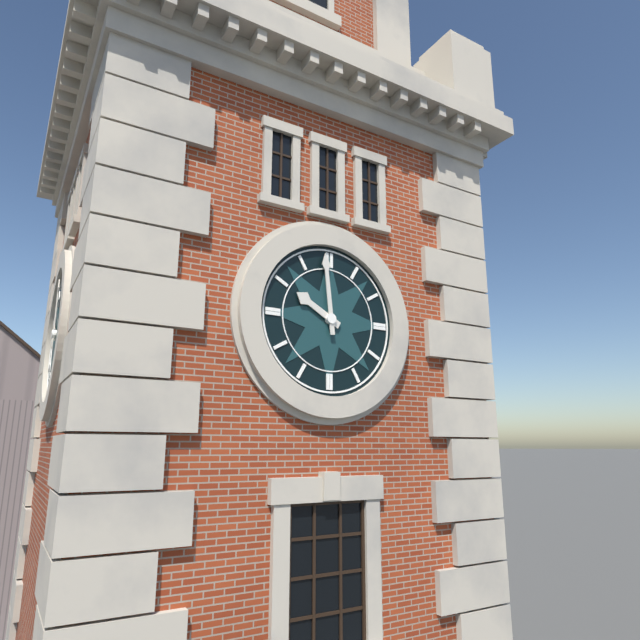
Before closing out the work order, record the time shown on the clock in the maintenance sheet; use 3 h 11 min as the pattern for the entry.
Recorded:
9 h 59 min
